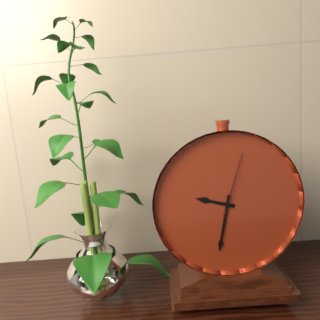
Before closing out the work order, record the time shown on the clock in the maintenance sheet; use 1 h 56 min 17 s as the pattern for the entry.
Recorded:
9 h 32 min 03 s
